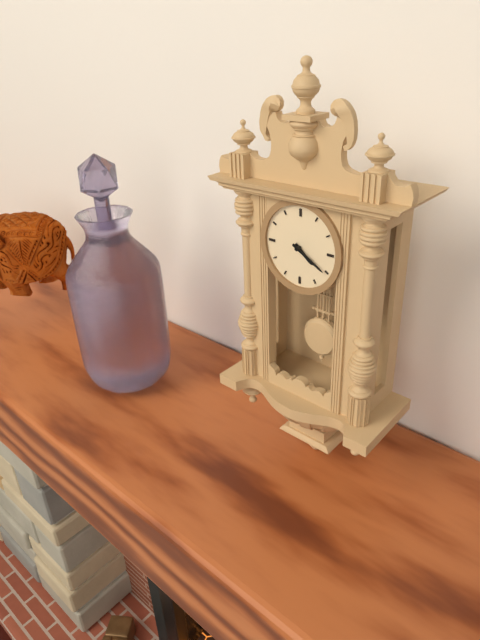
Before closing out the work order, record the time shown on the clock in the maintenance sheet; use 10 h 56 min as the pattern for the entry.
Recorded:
4 h 20 min
